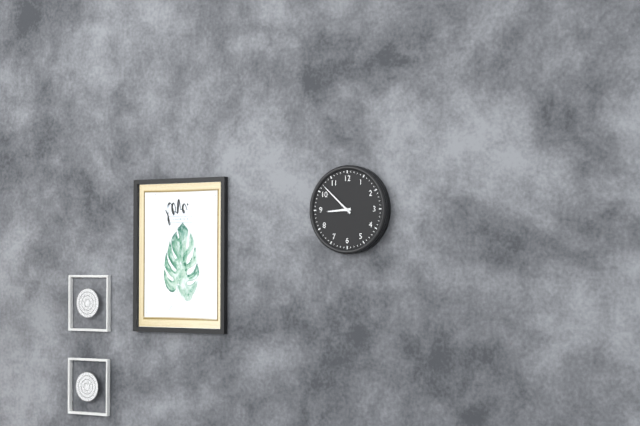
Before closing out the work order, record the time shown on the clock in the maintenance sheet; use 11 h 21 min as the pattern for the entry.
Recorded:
8 h 52 min
